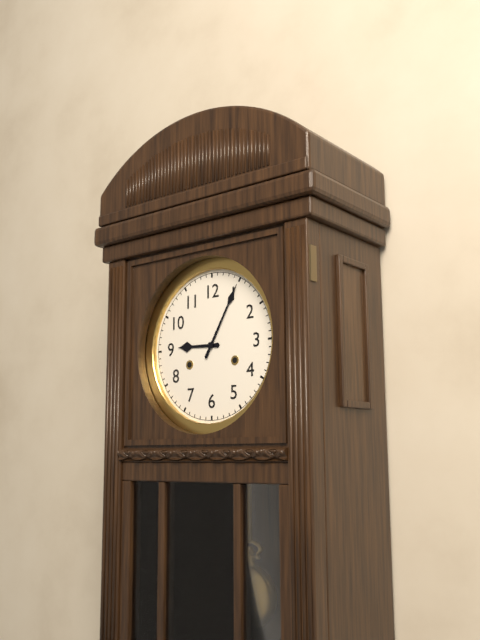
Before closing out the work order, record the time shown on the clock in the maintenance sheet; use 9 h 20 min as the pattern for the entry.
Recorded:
9 h 05 min
